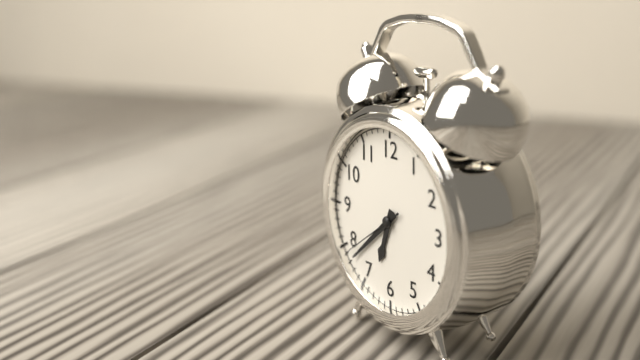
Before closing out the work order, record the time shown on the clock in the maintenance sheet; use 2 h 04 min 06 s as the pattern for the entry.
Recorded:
6 h 38 min 39 s
